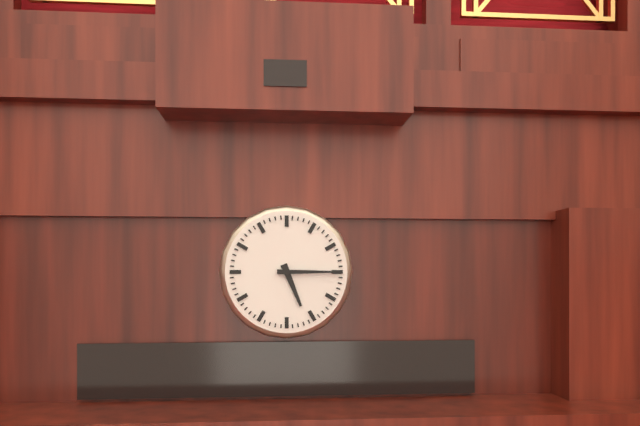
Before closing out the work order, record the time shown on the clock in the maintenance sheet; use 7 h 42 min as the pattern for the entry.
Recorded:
5 h 15 min
